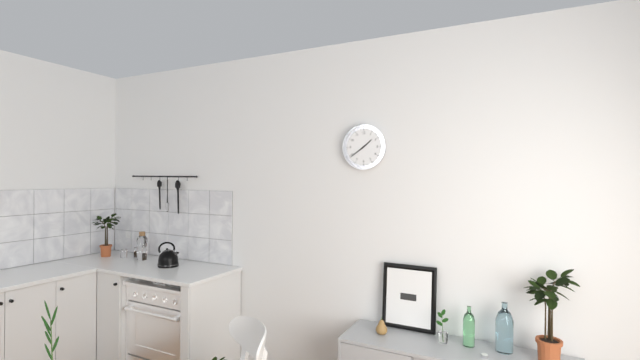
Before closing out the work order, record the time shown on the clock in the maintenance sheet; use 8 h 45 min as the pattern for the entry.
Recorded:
1 h 39 min
